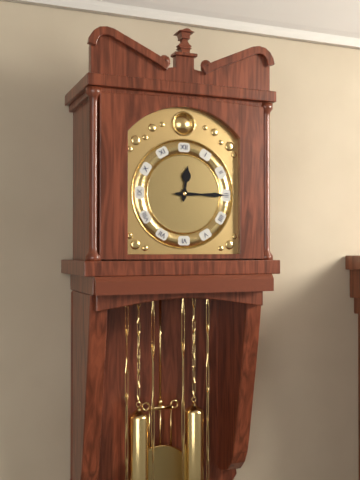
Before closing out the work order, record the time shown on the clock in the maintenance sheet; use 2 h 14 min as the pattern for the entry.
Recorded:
12 h 15 min
